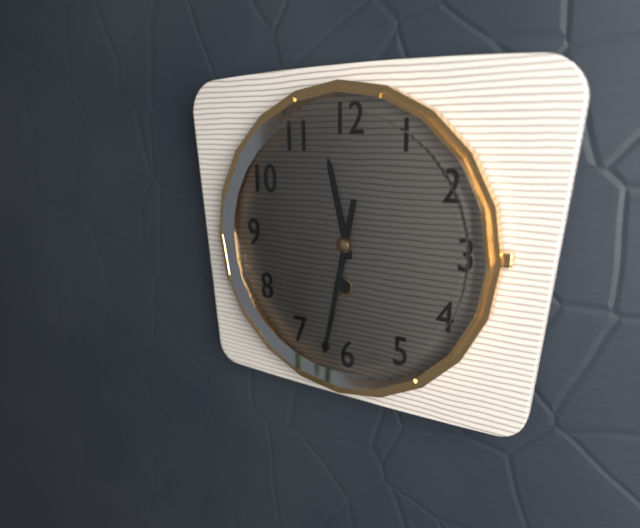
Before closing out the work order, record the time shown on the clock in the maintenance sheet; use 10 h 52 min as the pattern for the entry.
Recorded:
11 h 32 min
